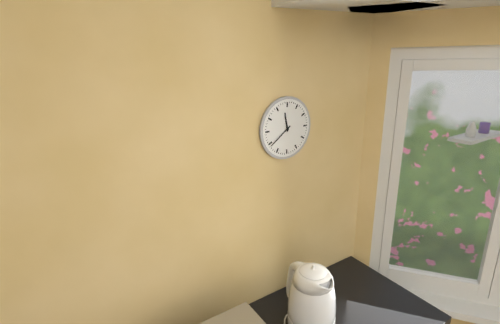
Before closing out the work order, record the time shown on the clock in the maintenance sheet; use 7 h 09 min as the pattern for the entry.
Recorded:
11 h 39 min
